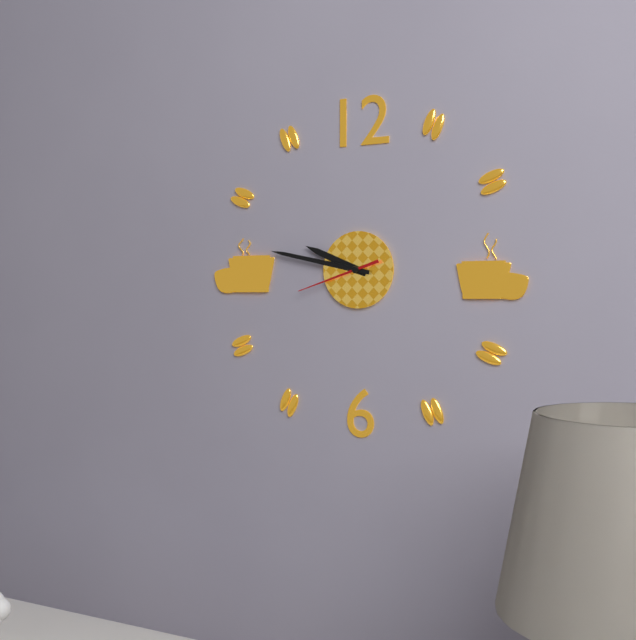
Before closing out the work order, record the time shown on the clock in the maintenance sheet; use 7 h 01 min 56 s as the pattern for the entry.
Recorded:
9 h 47 min 42 s
